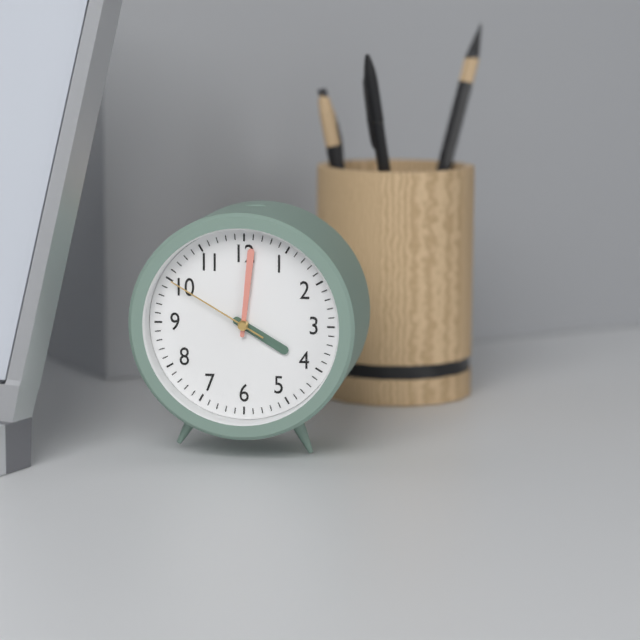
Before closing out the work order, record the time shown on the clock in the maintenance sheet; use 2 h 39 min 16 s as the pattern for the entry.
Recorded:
4 h 01 min 50 s
